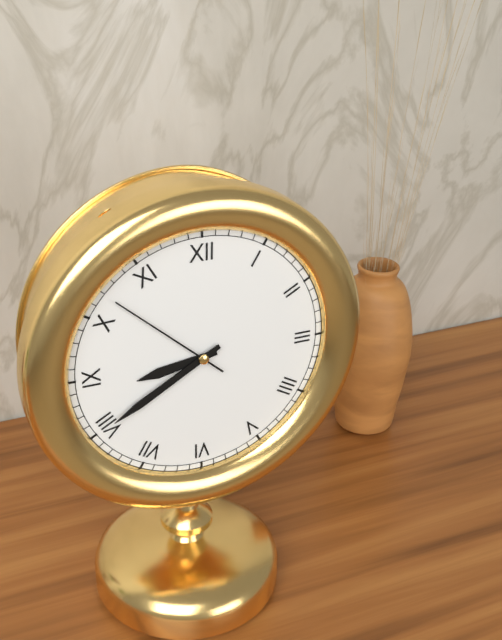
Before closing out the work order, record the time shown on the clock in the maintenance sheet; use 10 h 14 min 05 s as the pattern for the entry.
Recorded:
8 h 40 min 52 s
